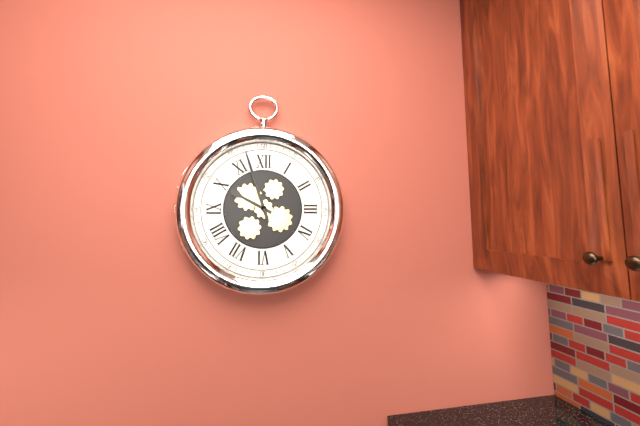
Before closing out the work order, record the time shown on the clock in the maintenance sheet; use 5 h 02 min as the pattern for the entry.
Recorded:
9 h 57 min
